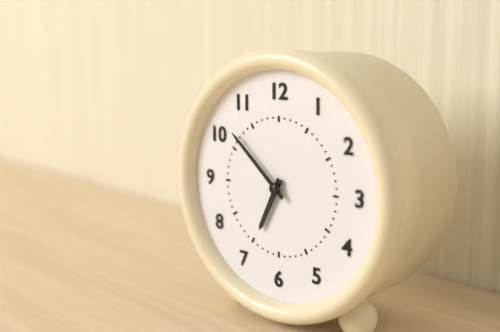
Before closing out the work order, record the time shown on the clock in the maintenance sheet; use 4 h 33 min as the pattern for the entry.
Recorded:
6 h 52 min
